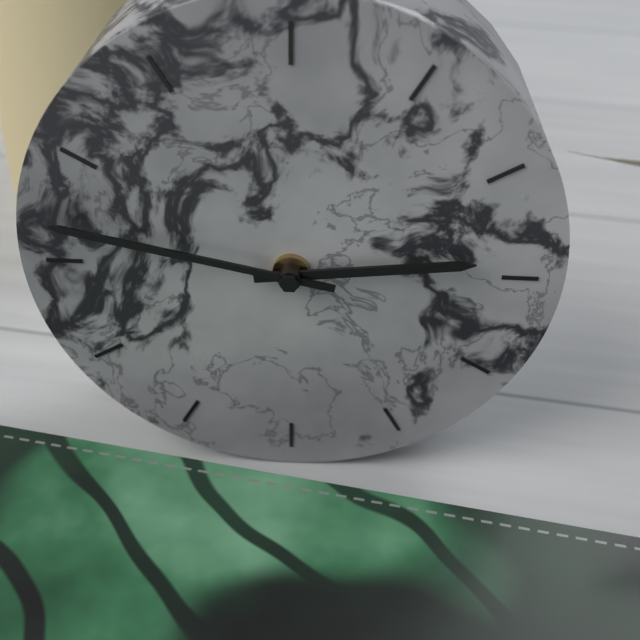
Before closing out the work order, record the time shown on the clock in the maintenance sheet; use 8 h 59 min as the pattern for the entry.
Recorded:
2 h 47 min
